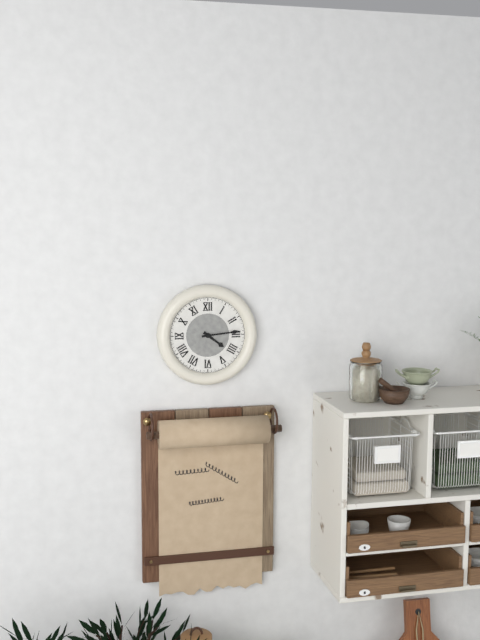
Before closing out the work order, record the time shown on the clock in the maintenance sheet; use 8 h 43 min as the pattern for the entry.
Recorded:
4 h 14 min
